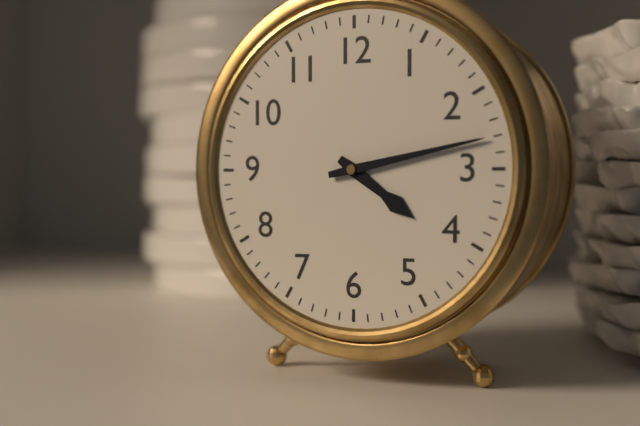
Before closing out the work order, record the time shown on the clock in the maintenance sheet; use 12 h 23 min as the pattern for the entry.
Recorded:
4 h 13 min
